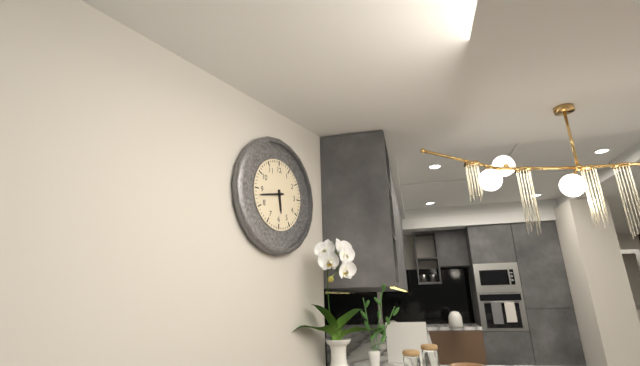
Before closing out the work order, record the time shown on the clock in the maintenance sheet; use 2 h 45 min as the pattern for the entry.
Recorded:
5 h 43 min
